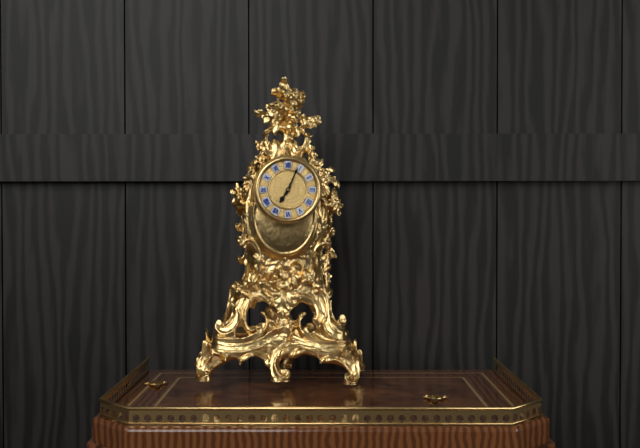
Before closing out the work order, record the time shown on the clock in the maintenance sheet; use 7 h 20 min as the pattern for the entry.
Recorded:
7 h 04 min
